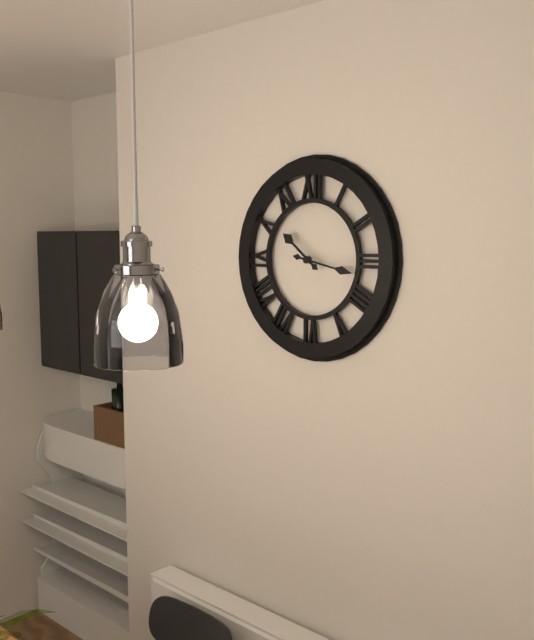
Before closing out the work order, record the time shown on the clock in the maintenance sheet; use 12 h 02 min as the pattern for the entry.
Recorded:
10 h 17 min
